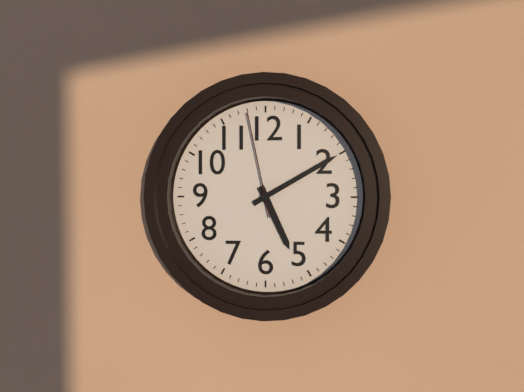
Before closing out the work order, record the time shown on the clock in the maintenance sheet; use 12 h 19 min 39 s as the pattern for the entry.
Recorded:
5 h 10 min 58 s
